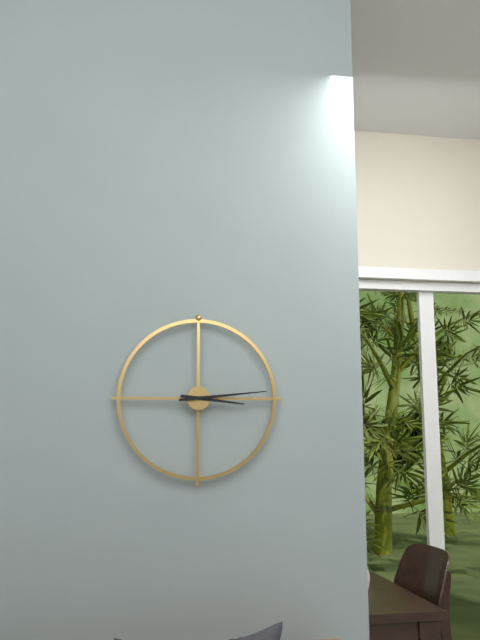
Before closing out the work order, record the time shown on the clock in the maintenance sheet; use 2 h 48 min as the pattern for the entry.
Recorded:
3 h 14 min
